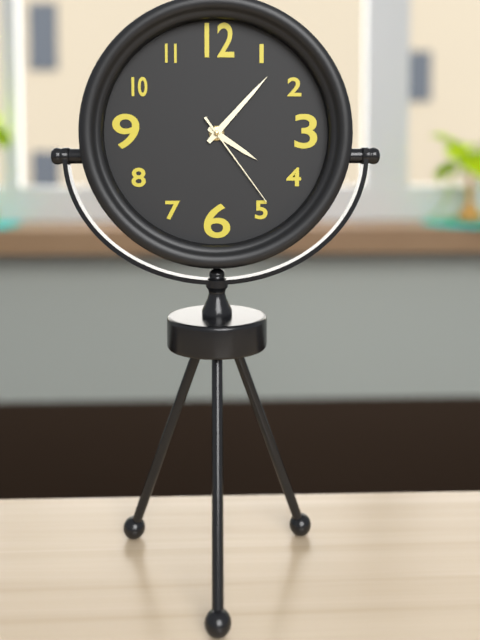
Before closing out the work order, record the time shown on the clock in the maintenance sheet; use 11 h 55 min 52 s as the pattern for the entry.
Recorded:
4 h 07 min 24 s
